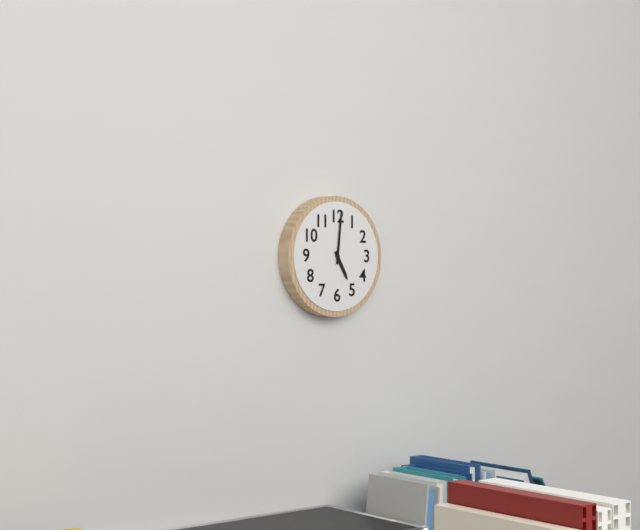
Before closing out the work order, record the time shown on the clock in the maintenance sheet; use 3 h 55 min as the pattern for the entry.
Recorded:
5 h 01 min
